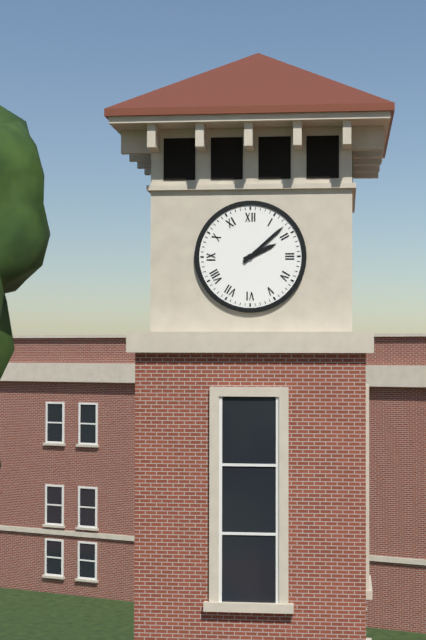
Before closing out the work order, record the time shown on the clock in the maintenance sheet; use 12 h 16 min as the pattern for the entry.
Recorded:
2 h 08 min
